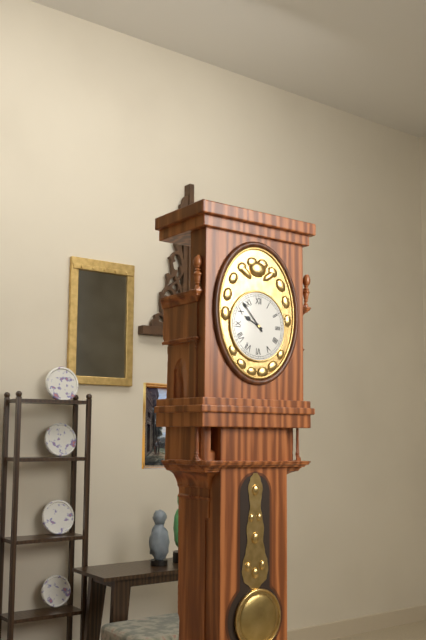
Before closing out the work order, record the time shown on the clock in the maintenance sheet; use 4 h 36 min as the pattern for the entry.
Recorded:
9 h 53 min
